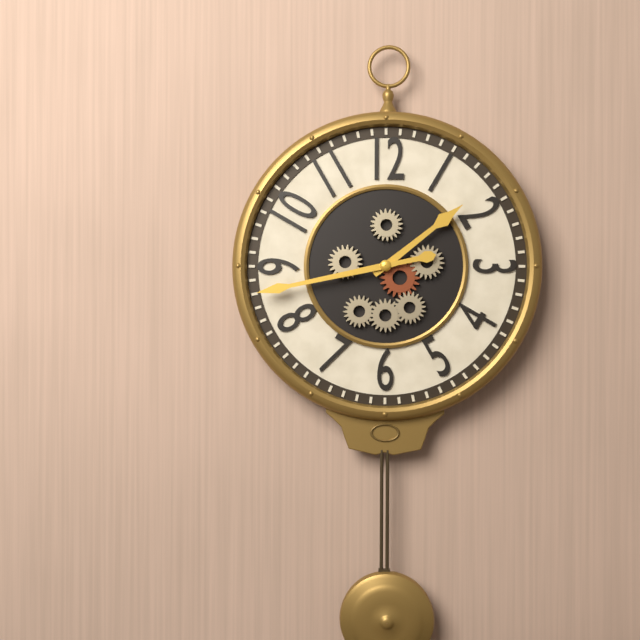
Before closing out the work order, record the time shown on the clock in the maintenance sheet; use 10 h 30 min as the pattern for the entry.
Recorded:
1 h 43 min
